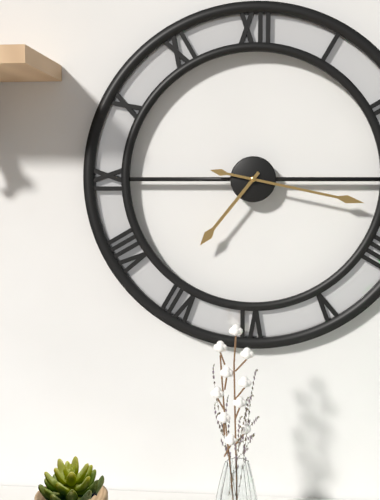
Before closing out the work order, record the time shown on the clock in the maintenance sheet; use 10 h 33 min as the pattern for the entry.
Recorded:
7 h 17 min
